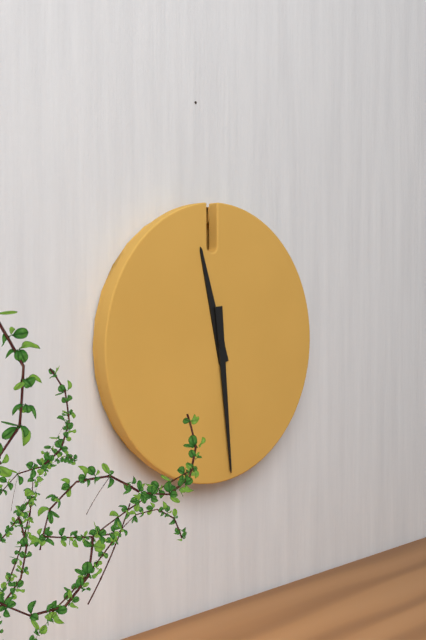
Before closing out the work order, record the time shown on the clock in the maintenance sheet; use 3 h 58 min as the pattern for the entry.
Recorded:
11 h 29 min
